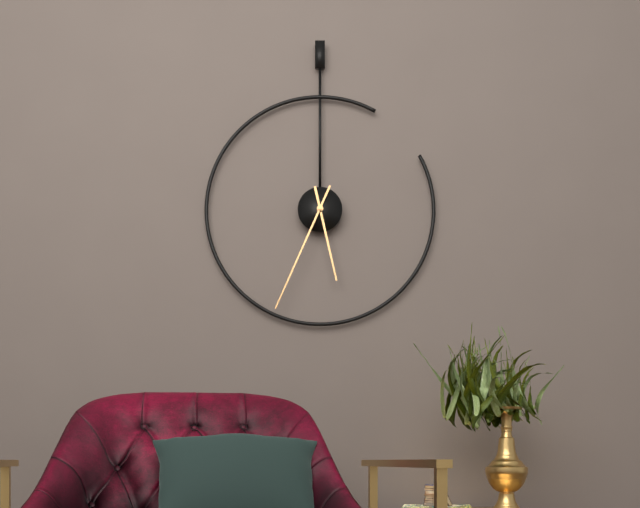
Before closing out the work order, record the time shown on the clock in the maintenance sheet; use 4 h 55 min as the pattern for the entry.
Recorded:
5 h 34 min
